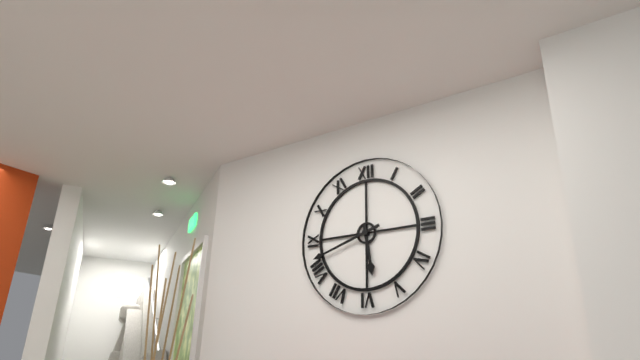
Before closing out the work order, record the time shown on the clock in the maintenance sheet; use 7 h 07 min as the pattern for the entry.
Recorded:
5 h 42 min
